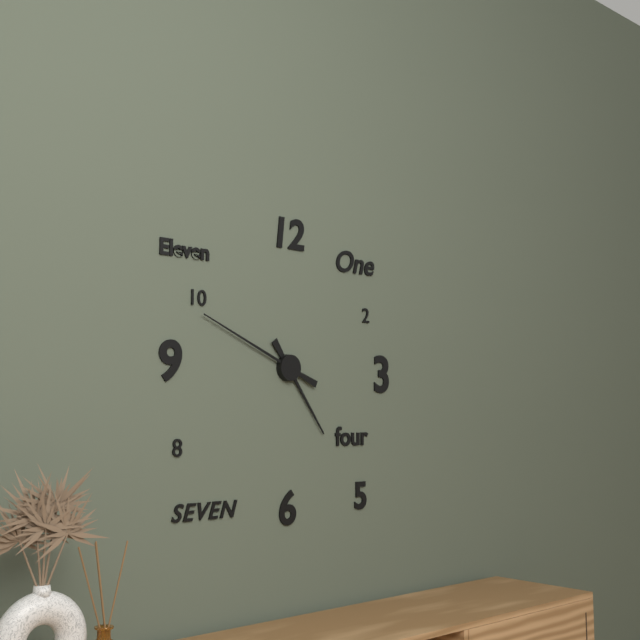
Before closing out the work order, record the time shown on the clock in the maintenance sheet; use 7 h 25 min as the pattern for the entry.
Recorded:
4 h 49 min
